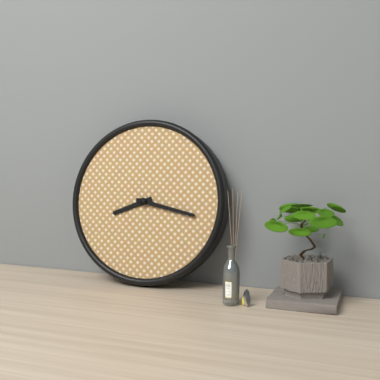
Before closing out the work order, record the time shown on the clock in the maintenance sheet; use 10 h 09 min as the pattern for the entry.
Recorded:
8 h 17 min
